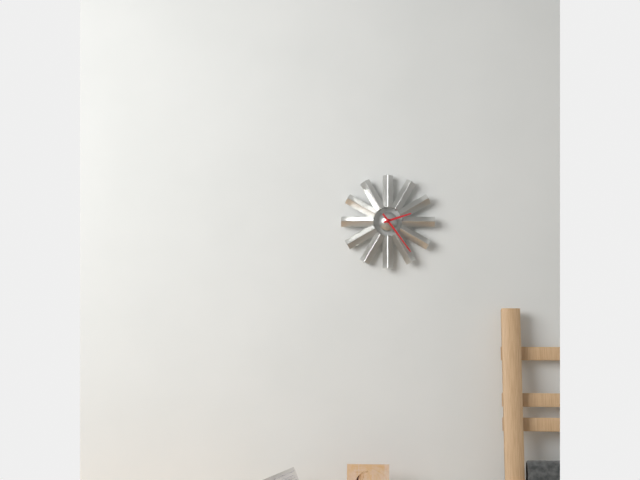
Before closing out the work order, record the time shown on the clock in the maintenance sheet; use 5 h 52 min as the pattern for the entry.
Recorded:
2 h 24 min
